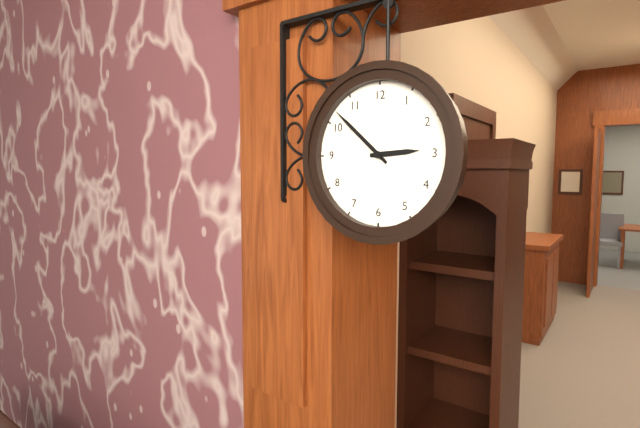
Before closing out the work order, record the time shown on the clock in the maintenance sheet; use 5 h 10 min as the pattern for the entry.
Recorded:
2 h 52 min
